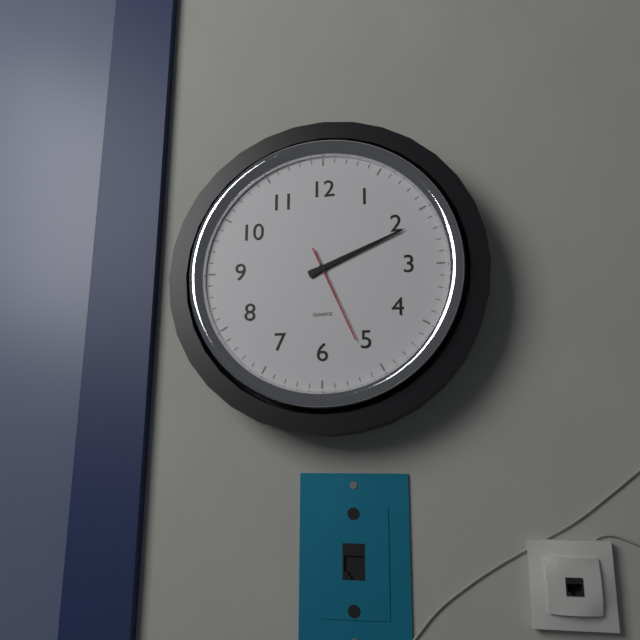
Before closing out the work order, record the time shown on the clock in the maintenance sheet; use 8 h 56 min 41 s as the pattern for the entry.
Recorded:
2 h 11 min 26 s
